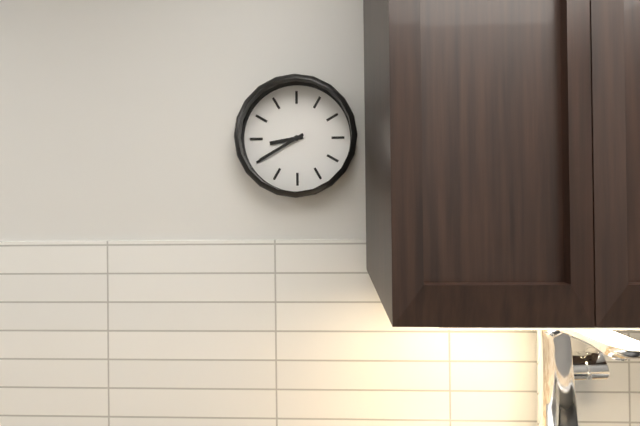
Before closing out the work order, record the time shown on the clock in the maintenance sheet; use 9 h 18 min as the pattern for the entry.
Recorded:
8 h 40 min
